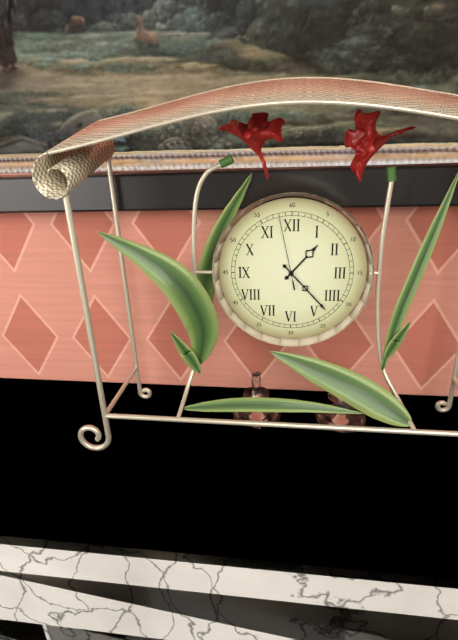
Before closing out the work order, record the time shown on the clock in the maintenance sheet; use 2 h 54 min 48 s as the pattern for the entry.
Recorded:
1 h 23 min 58 s
